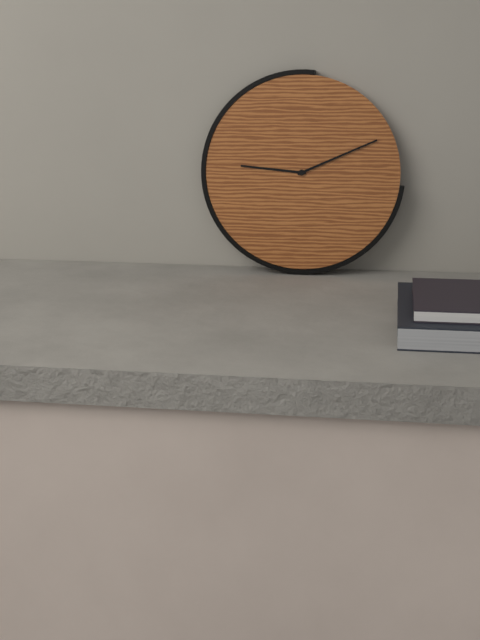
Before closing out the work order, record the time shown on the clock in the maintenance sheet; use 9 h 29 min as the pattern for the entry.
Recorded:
9 h 11 min
